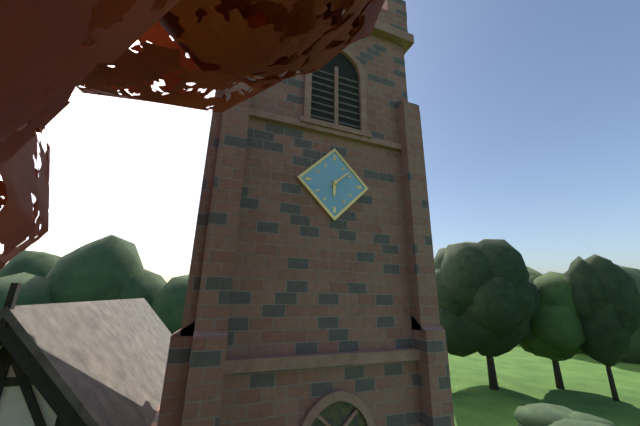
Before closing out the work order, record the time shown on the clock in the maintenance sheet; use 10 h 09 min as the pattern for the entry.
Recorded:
6 h 08 min
